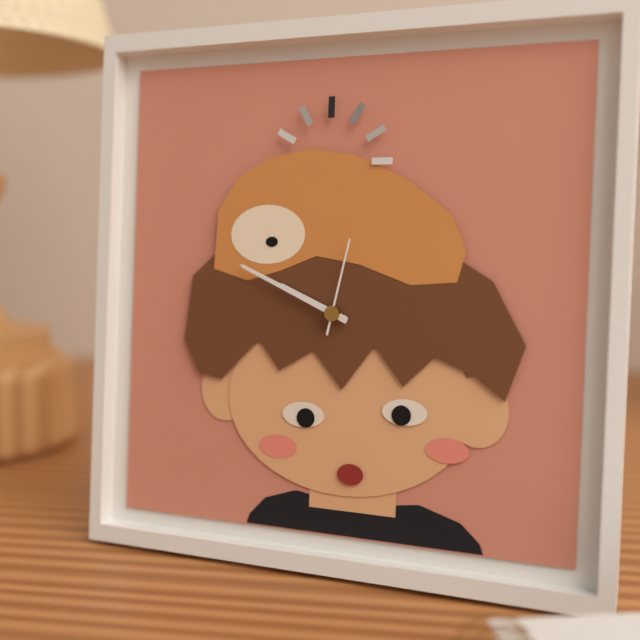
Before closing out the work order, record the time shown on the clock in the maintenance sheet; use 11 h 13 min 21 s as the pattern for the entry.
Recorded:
9 h 49 min 02 s
